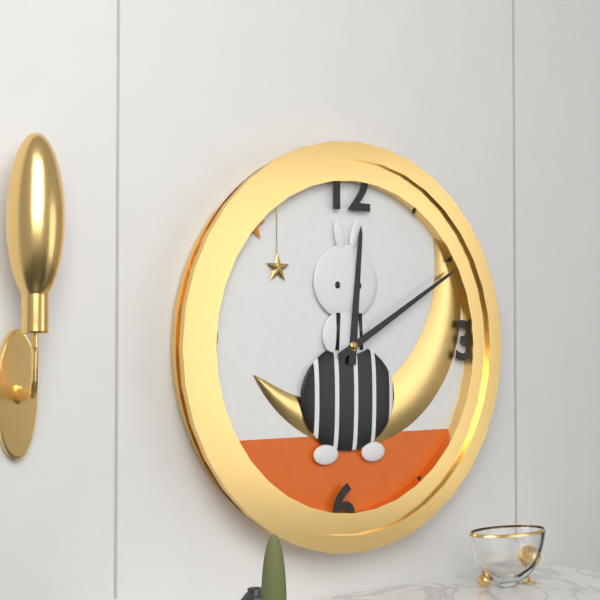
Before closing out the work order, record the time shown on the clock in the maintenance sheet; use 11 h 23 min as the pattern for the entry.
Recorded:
12 h 10 min
